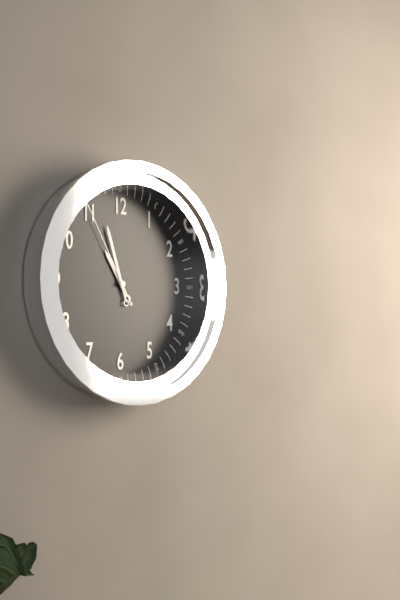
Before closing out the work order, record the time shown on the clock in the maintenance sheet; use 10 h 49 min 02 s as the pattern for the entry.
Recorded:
10 h 57 min 55 s
